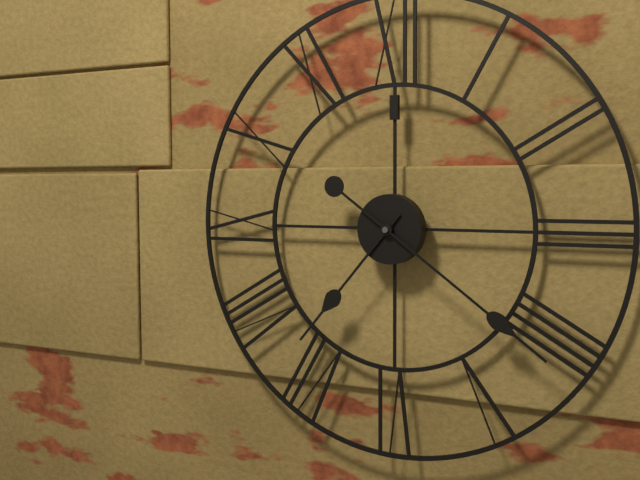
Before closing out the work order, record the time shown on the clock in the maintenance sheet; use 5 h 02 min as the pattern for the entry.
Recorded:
7 h 21 min
